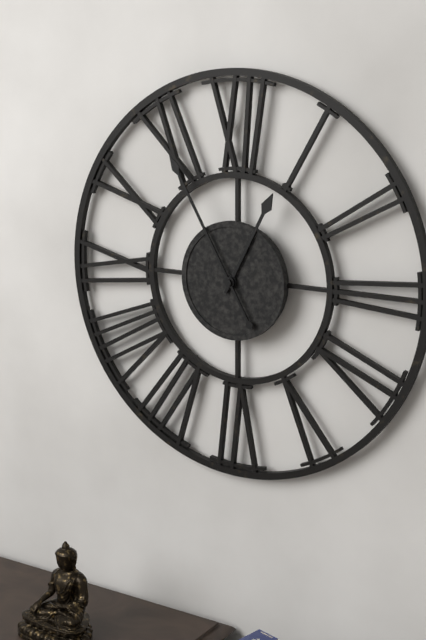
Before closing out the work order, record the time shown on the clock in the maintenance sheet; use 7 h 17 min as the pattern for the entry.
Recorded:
12 h 55 min
